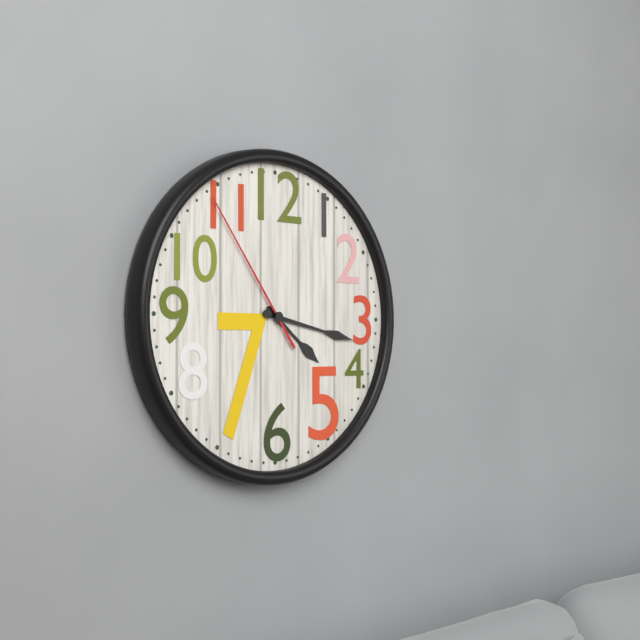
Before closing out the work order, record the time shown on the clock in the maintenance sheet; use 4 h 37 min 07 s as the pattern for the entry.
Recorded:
4 h 17 min 54 s
